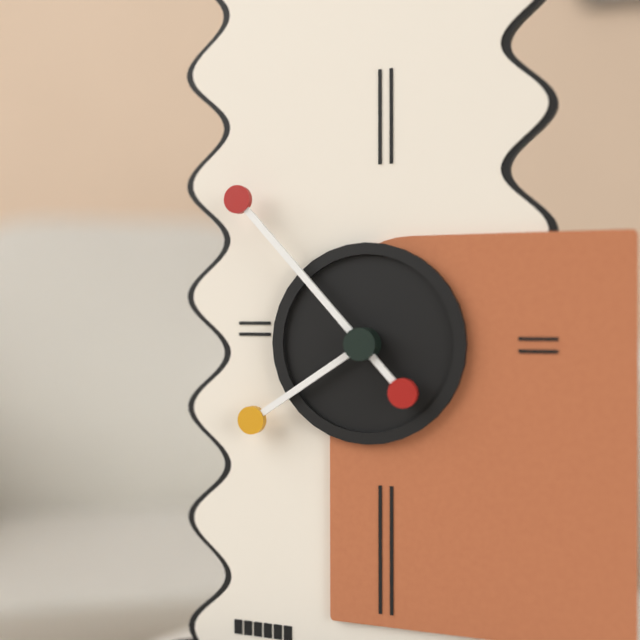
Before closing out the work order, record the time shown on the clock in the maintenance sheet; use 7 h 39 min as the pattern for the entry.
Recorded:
7 h 53 min
